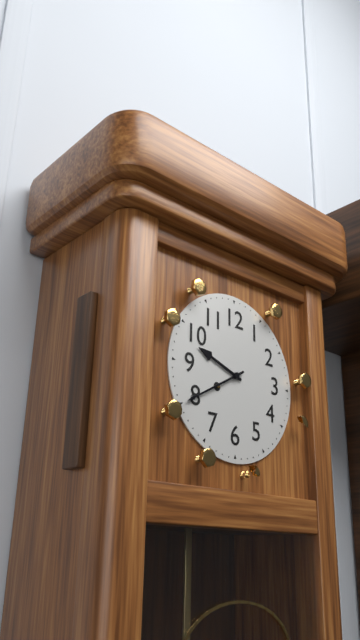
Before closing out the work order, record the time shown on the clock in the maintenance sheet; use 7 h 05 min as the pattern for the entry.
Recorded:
9 h 40 min
